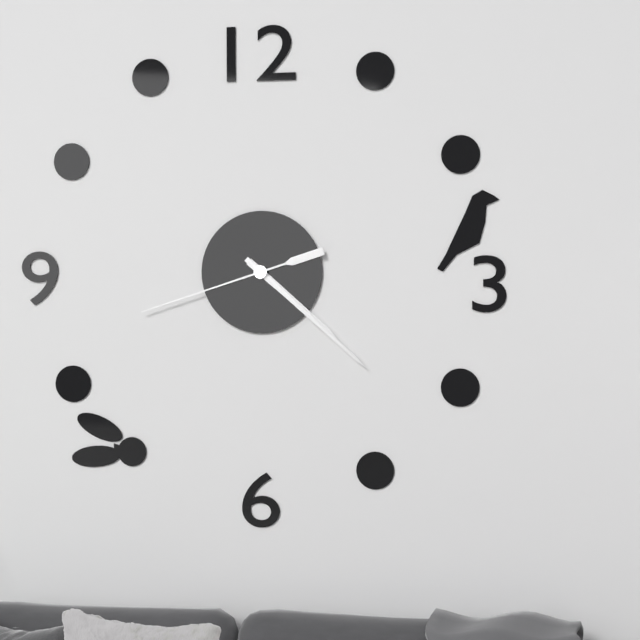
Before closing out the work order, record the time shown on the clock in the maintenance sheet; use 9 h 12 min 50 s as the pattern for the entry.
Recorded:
4 h 22 min 42 s
